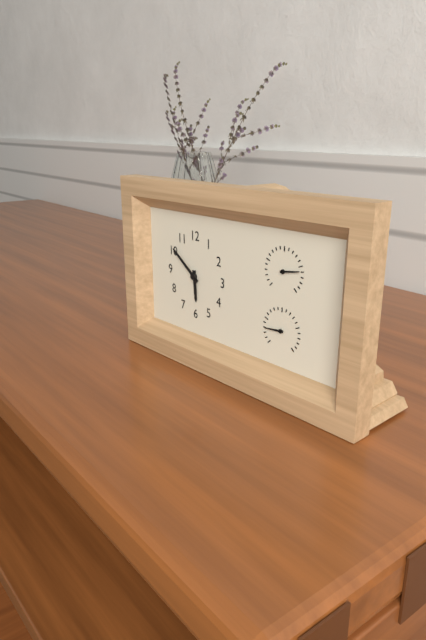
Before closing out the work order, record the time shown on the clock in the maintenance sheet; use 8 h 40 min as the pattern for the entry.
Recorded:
5 h 51 min
